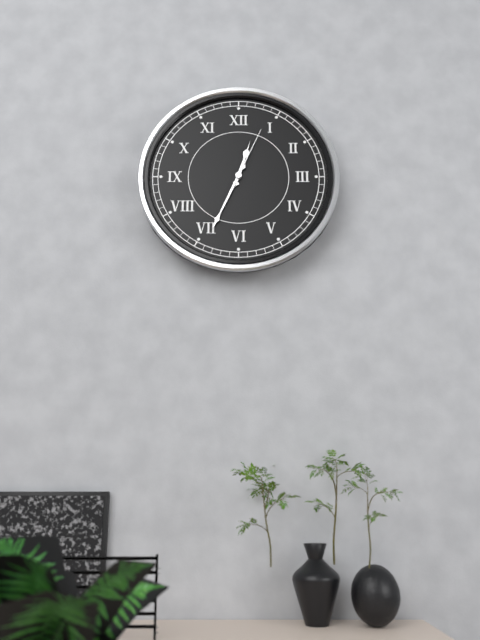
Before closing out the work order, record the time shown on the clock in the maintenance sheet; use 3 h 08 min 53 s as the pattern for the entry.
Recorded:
12 h 34 min 04 s
